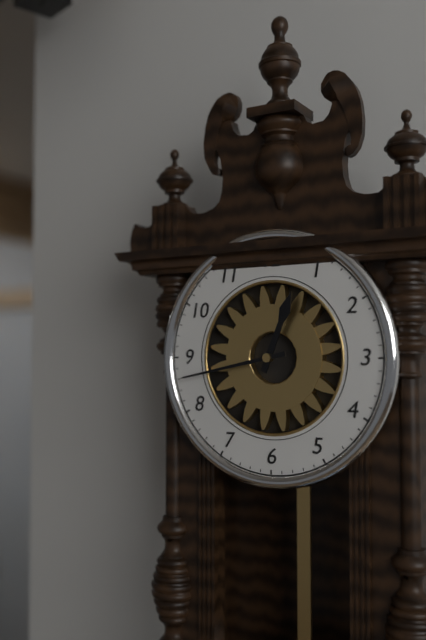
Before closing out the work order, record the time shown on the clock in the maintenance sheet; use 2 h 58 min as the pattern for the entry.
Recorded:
12 h 43 min
